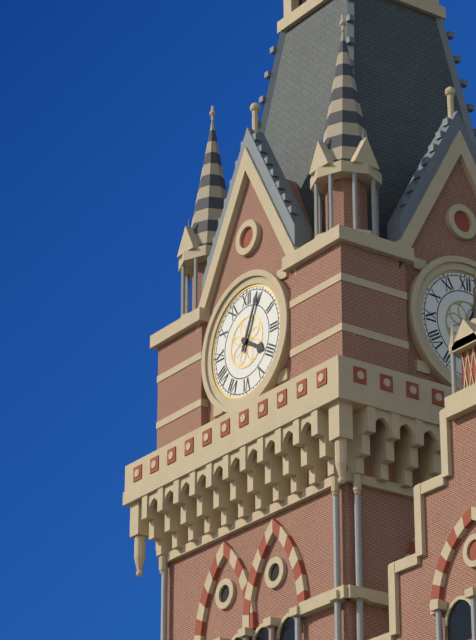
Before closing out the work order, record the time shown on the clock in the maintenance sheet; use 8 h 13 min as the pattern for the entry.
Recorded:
4 h 04 min
